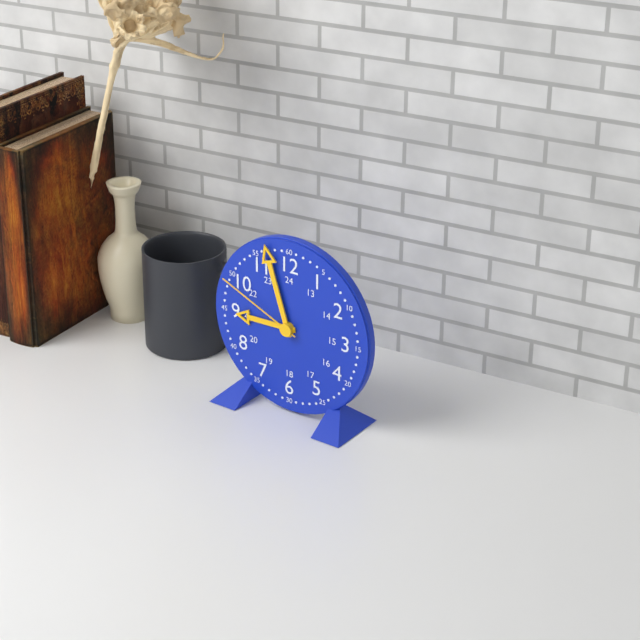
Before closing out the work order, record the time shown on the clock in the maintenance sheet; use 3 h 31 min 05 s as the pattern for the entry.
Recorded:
8 h 57 min 49 s
